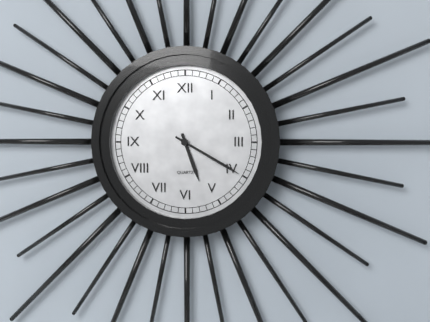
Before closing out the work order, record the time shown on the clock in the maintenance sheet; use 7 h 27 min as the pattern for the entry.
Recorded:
5 h 20 min
